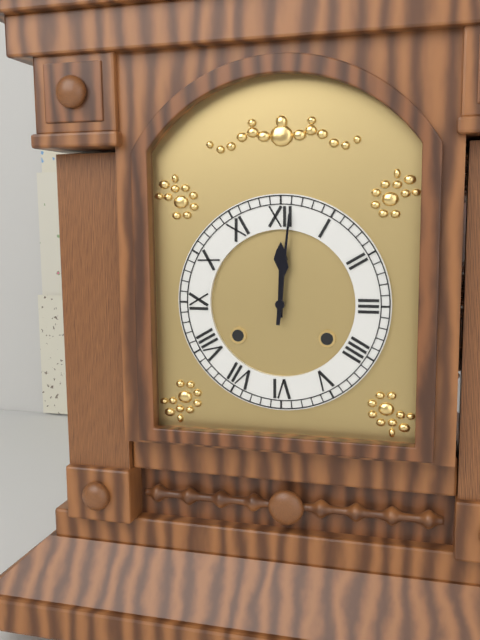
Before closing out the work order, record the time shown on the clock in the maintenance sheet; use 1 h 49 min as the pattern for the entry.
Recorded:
12 h 01 min
